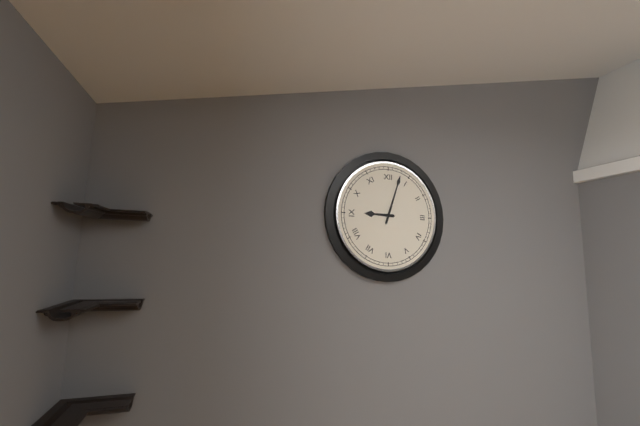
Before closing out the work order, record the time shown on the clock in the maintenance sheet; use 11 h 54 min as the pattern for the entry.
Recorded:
9 h 03 min
